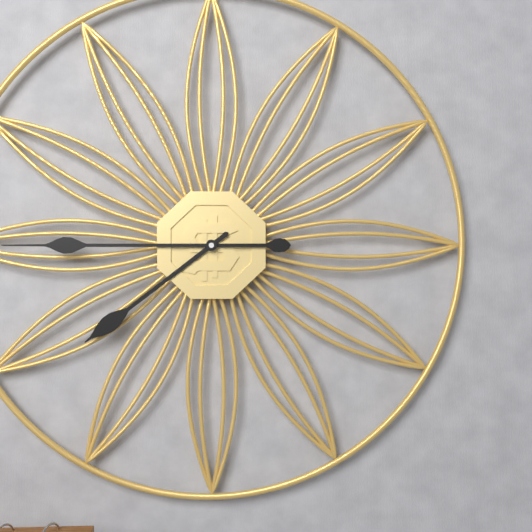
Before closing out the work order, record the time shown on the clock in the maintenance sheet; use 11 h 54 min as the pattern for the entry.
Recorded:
7 h 45 min
